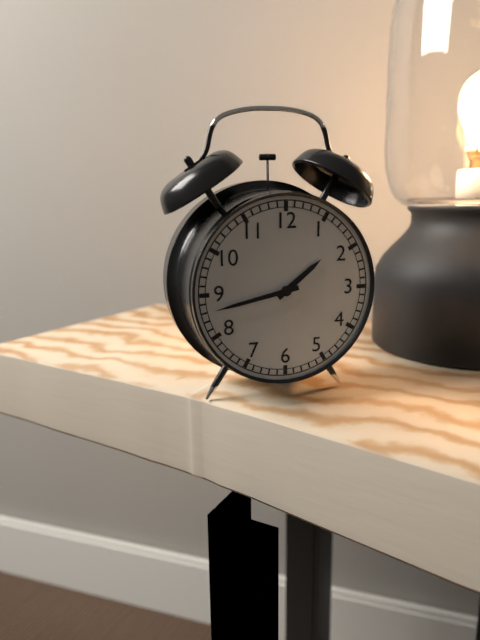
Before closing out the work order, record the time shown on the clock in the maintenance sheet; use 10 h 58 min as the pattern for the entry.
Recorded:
1 h 43 min
